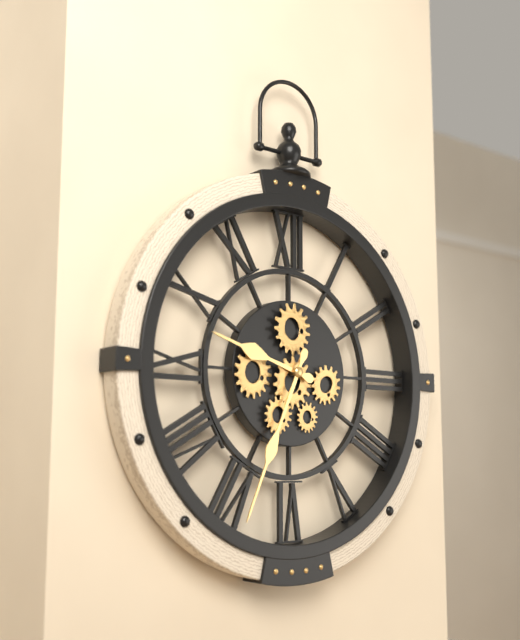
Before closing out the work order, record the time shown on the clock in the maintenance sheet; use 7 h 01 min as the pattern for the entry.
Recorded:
9 h 34 min
